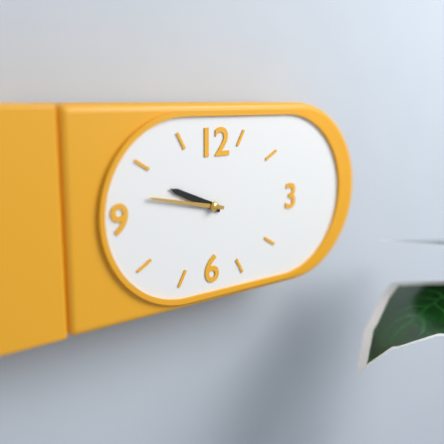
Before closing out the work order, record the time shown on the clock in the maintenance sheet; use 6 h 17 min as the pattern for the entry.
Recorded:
9 h 47 min
